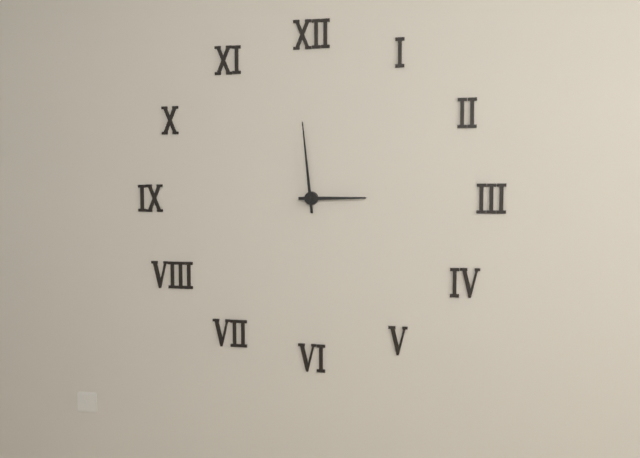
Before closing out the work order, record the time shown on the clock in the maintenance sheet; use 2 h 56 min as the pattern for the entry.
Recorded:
2 h 59 min
